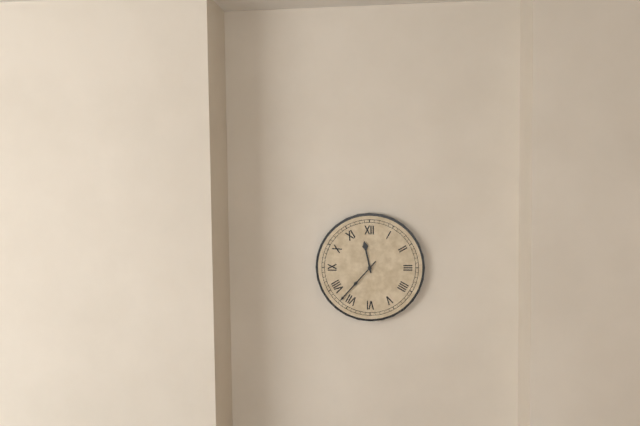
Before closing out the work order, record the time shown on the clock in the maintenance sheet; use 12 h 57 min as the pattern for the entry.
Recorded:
11 h 37 min
